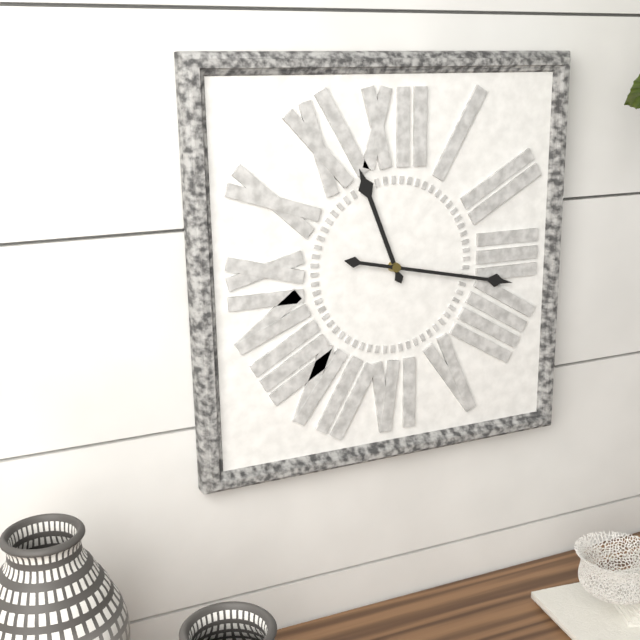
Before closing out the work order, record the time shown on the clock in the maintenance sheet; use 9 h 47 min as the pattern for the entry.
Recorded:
11 h 17 min
